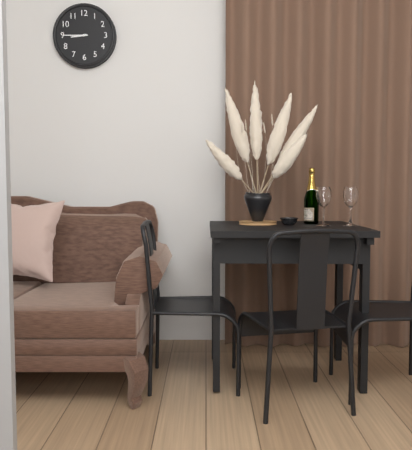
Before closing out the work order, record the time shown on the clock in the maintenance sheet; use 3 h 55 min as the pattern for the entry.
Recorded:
8 h 45 min
